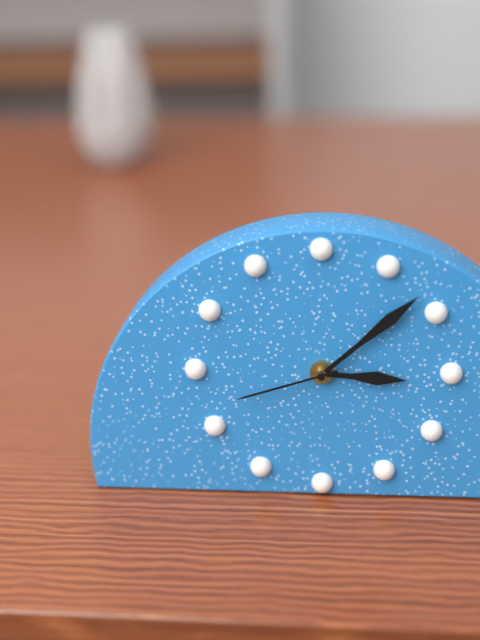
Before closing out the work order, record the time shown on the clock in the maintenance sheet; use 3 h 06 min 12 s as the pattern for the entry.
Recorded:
3 h 08 min 42 s
